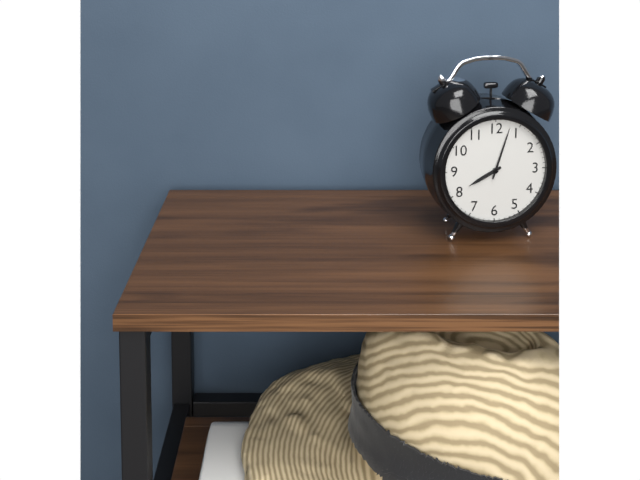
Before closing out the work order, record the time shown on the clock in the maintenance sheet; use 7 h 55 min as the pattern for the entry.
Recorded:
8 h 03 min
